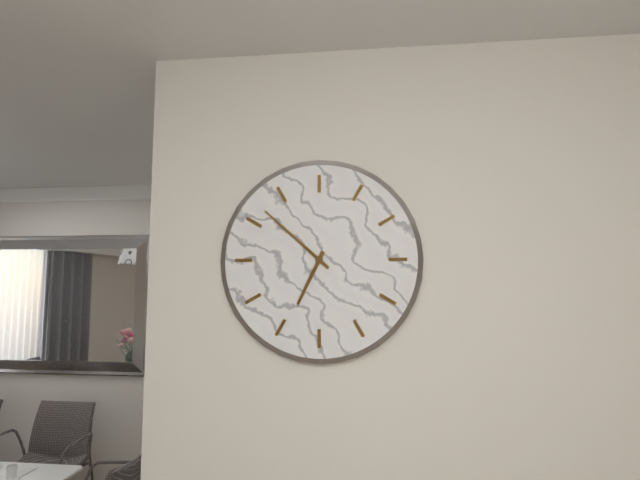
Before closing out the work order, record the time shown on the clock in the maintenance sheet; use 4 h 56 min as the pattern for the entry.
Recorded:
6 h 52 min
